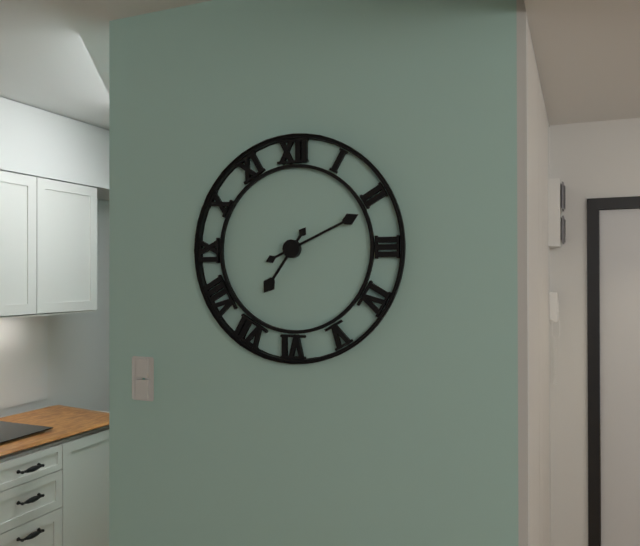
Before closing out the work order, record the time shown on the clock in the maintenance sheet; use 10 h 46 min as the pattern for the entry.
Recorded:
7 h 11 min
